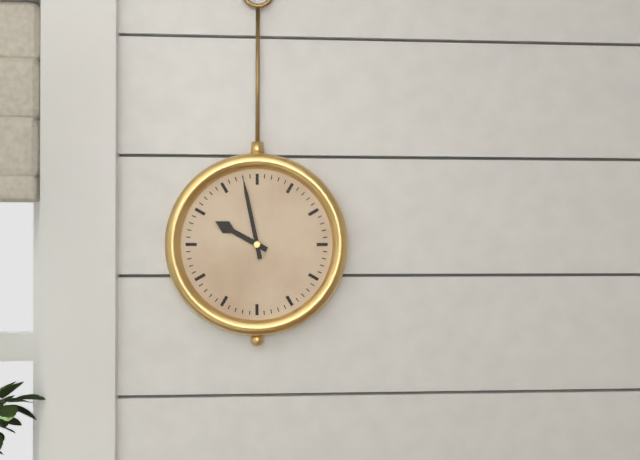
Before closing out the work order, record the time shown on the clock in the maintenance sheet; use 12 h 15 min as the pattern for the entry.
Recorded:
9 h 58 min
